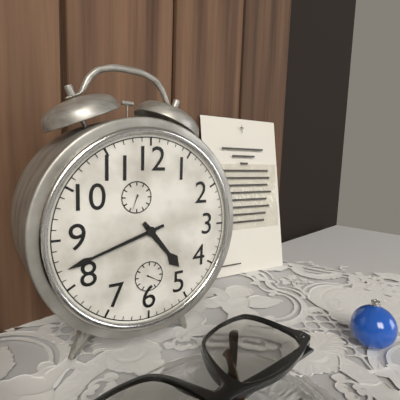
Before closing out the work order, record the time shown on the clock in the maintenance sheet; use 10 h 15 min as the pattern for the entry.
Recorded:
4 h 42 min
